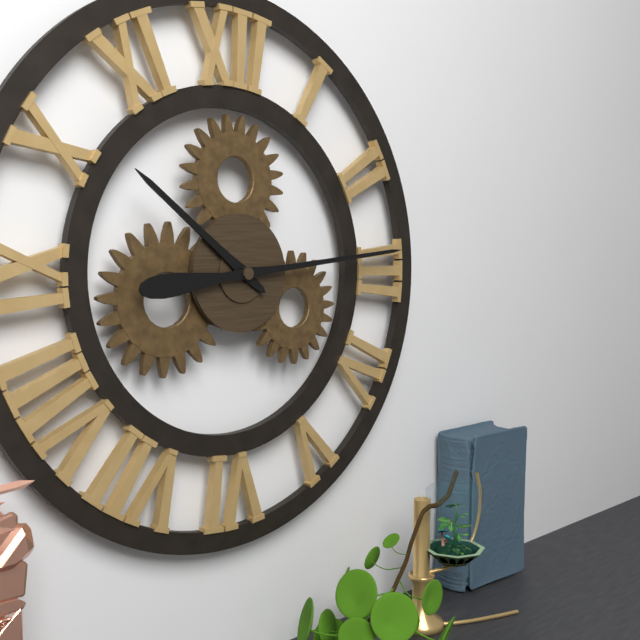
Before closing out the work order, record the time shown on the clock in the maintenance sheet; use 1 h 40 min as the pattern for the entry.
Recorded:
10 h 14 min
